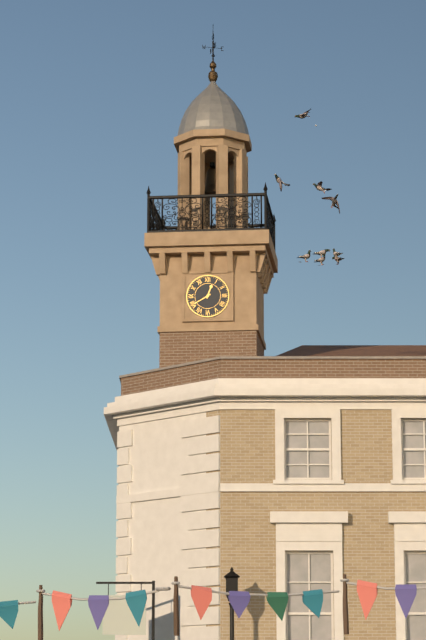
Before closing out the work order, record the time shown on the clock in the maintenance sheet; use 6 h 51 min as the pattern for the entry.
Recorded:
12 h 40 min
